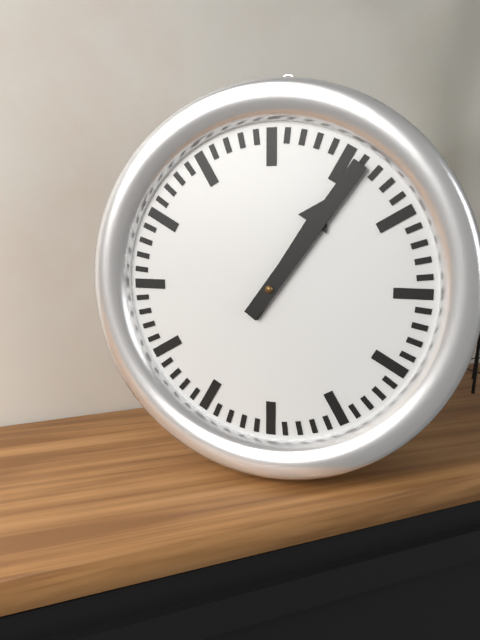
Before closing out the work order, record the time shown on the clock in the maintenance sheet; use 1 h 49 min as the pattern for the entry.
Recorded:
1 h 06 min
